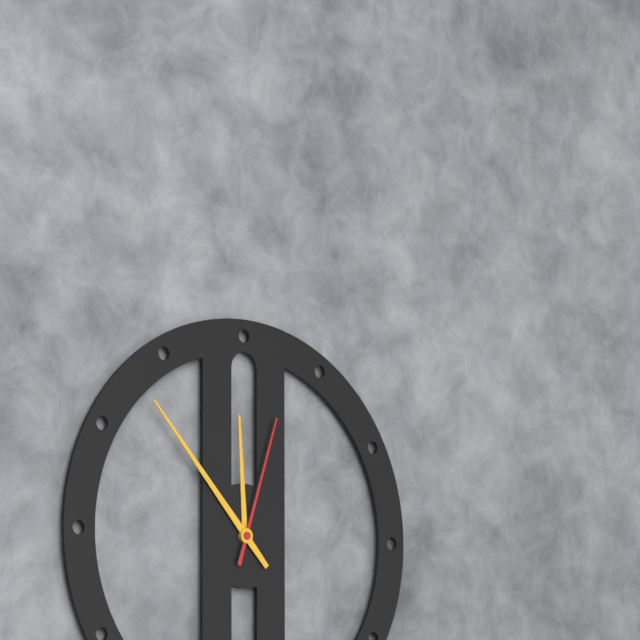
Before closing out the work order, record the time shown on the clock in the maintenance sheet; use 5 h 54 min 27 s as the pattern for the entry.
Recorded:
11 h 53 min 03 s
